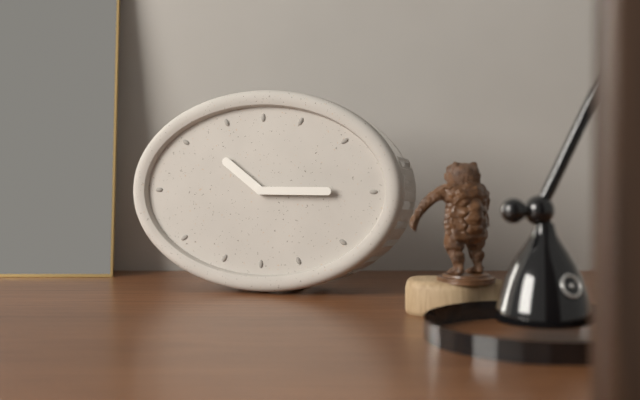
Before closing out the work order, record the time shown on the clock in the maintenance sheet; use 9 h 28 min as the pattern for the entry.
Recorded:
10 h 15 min
